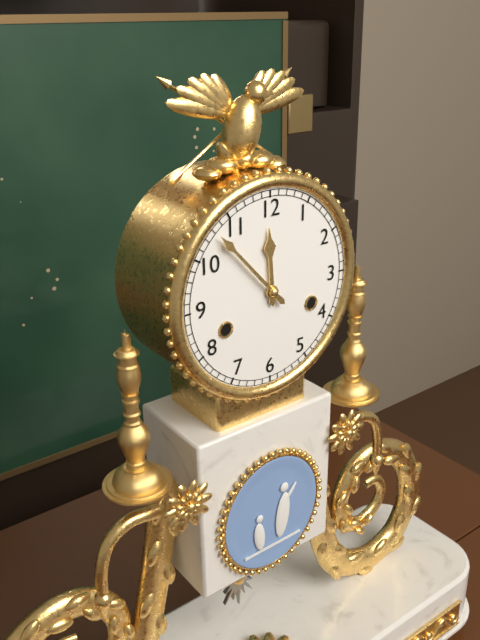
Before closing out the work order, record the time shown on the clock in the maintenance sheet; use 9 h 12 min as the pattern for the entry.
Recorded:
11 h 53 min
